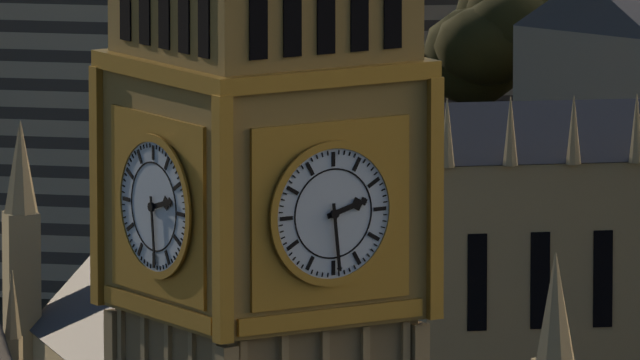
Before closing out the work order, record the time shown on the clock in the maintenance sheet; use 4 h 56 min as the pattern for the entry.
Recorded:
2 h 29 min
